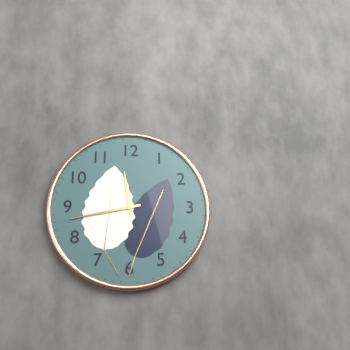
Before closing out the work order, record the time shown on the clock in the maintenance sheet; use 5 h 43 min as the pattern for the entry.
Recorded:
11 h 43 min
